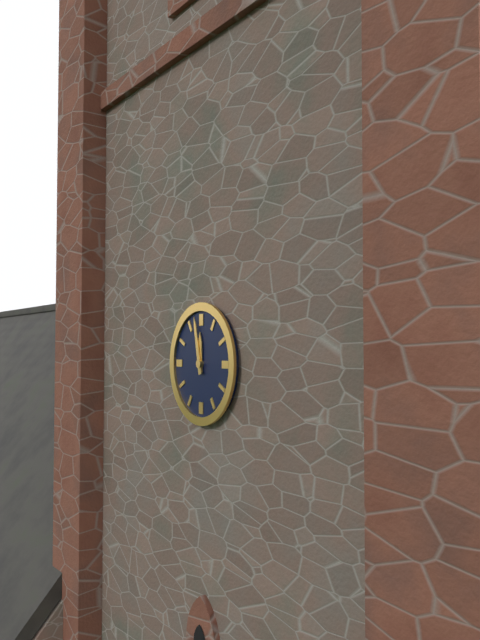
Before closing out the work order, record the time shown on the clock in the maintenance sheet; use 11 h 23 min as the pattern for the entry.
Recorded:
11 h 58 min
